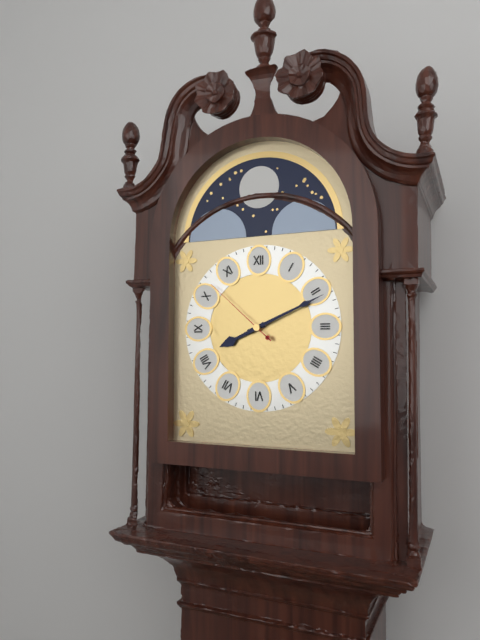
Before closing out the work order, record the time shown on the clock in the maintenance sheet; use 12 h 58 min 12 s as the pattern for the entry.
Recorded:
8 h 11 min 52 s
